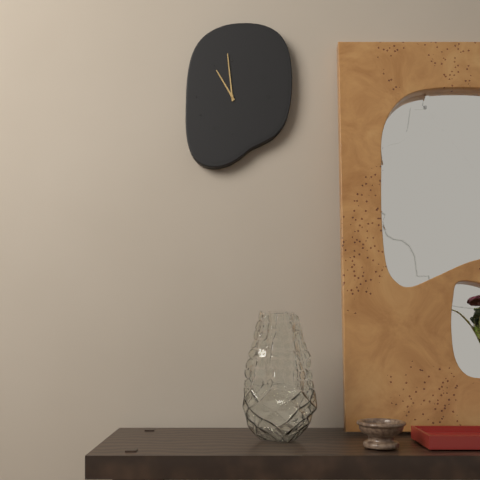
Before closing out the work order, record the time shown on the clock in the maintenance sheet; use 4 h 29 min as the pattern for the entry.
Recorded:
10 h 59 min
